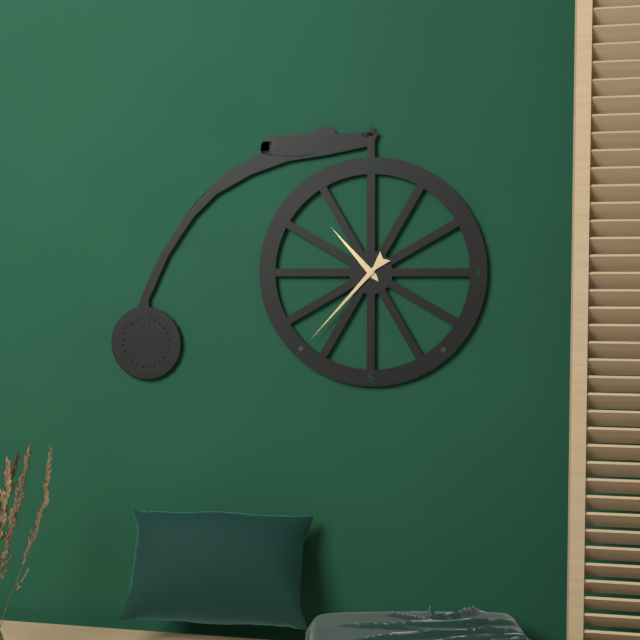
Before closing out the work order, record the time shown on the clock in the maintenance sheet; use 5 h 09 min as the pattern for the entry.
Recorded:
10 h 37 min
